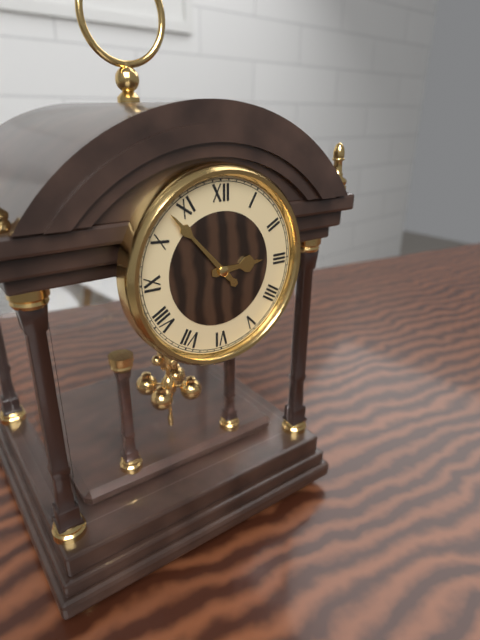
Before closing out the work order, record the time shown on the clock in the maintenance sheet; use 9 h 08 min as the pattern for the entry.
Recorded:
2 h 53 min
